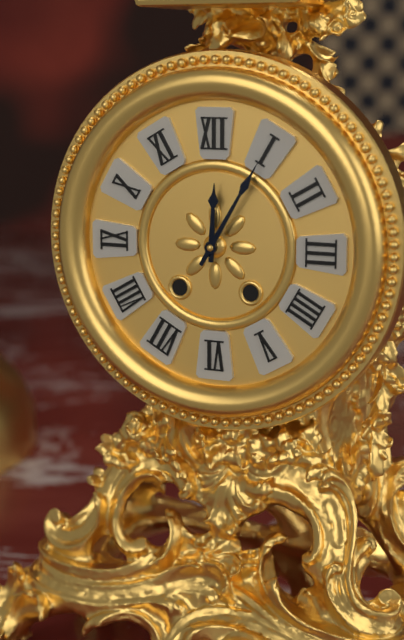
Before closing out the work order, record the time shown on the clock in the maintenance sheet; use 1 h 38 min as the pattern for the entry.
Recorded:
12 h 05 min
